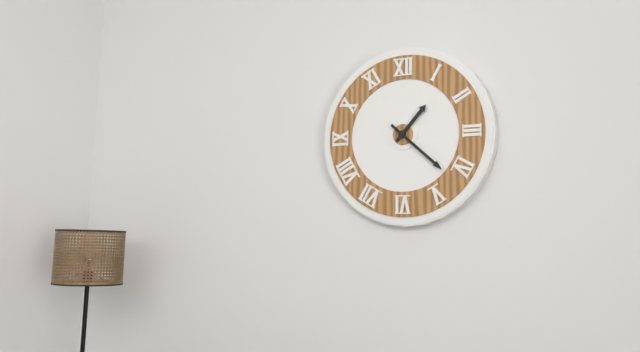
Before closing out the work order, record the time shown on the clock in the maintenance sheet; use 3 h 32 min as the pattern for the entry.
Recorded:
1 h 22 min
